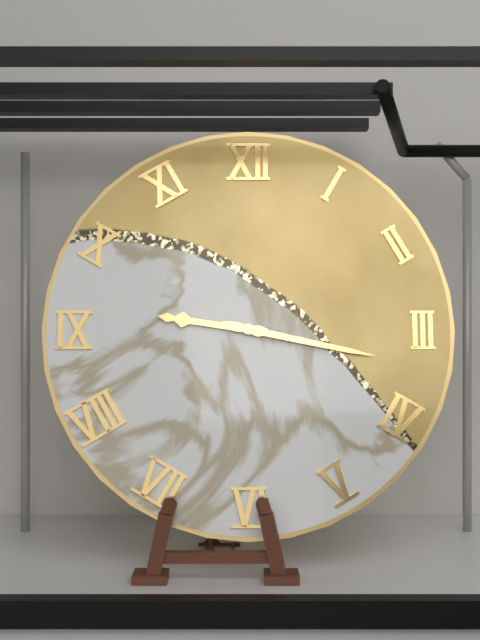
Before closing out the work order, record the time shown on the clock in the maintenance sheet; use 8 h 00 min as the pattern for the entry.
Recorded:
9 h 17 min
